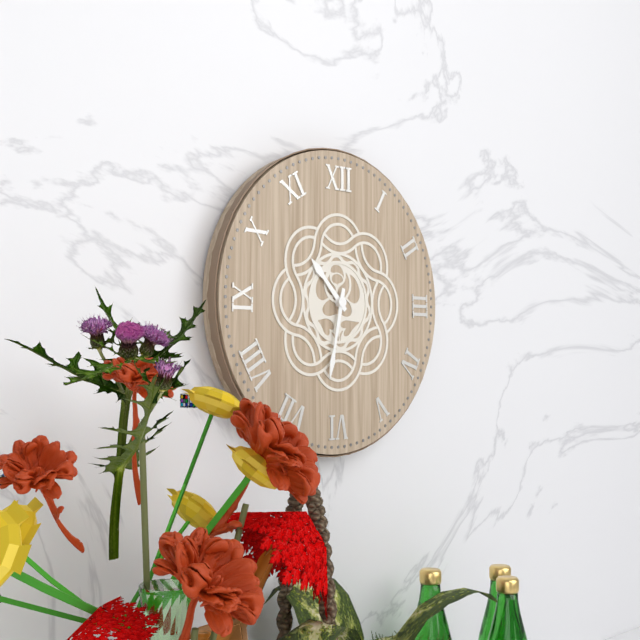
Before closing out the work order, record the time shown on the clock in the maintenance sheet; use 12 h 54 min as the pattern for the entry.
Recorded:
10 h 32 min
